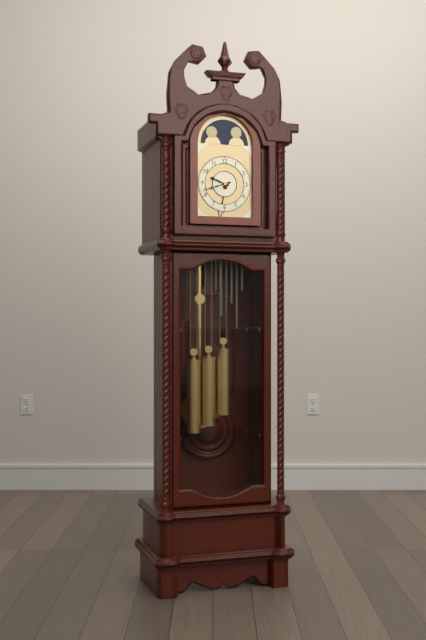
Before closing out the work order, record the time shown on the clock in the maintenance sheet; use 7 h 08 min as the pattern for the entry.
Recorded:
9 h 42 min
